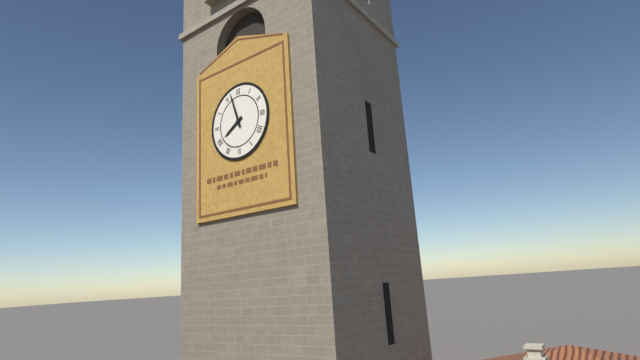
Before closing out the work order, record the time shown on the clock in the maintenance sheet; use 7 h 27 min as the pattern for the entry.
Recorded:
7 h 57 min
